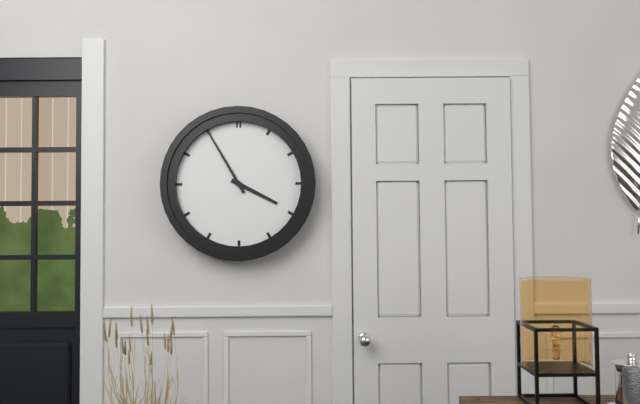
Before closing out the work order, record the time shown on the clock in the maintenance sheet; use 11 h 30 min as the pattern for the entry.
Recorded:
3 h 55 min
